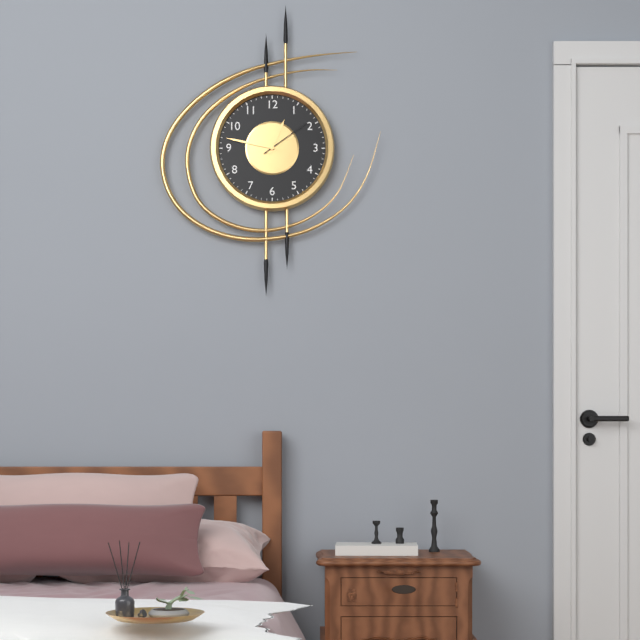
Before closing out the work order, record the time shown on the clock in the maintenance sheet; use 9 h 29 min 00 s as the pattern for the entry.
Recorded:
12 h 47 min 09 s
